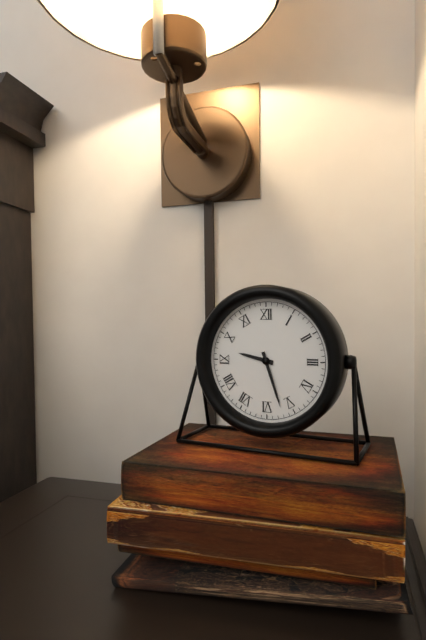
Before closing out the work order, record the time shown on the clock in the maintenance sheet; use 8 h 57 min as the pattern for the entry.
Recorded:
9 h 27 min
